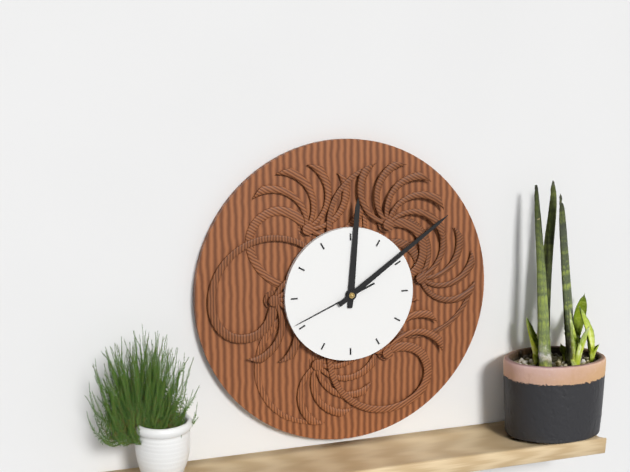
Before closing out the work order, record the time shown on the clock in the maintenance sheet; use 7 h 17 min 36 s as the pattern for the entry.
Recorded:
12 h 09 min 41 s
